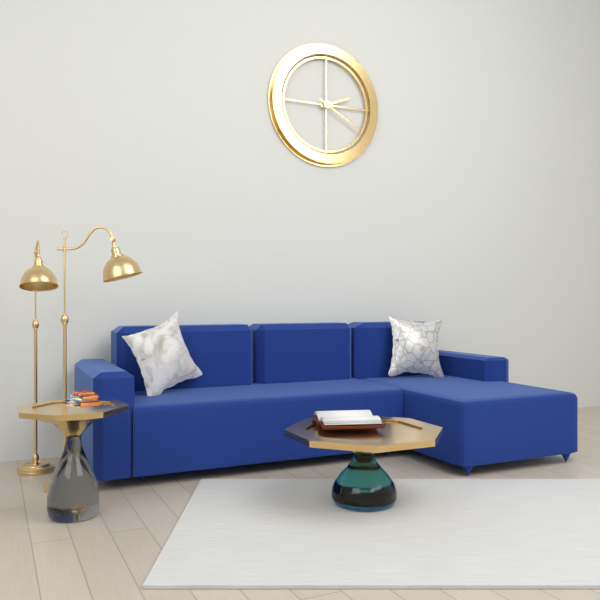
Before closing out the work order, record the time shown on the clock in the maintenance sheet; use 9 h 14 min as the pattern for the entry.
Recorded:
2 h 20 min
